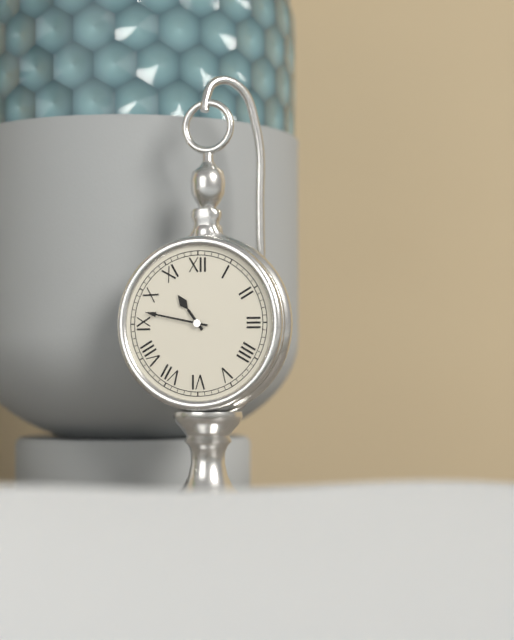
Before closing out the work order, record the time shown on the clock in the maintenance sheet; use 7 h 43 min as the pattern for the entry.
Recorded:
10 h 47 min
